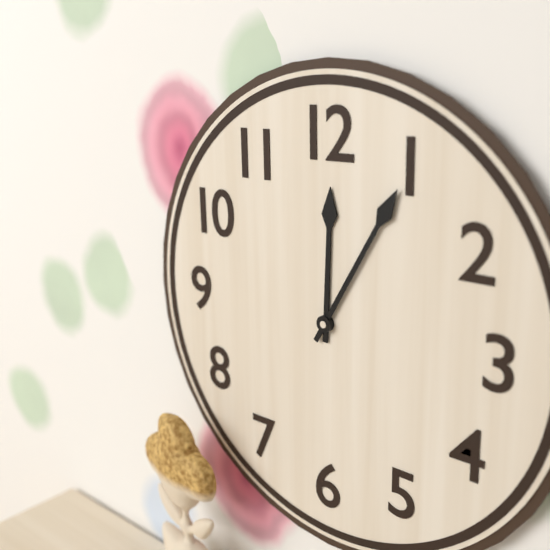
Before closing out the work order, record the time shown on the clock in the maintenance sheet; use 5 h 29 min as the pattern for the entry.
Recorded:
12 h 05 min
